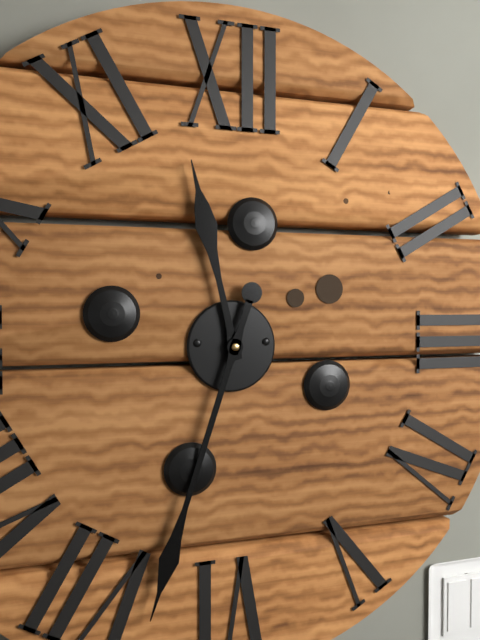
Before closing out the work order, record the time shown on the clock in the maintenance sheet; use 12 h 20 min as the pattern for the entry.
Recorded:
11 h 33 min
